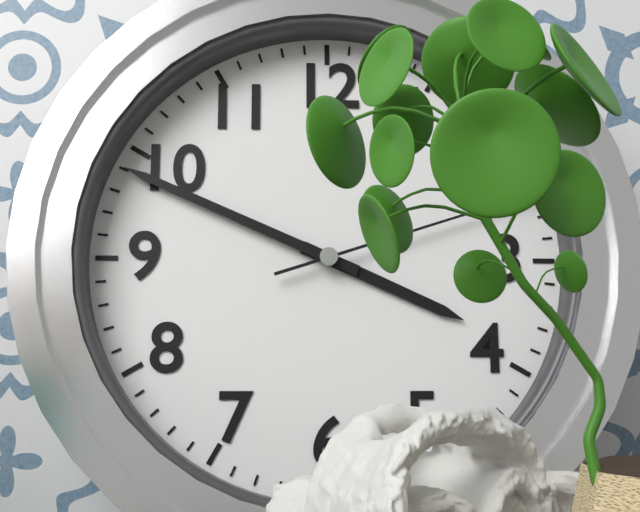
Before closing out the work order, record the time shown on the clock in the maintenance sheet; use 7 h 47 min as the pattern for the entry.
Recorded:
3 h 49 min
